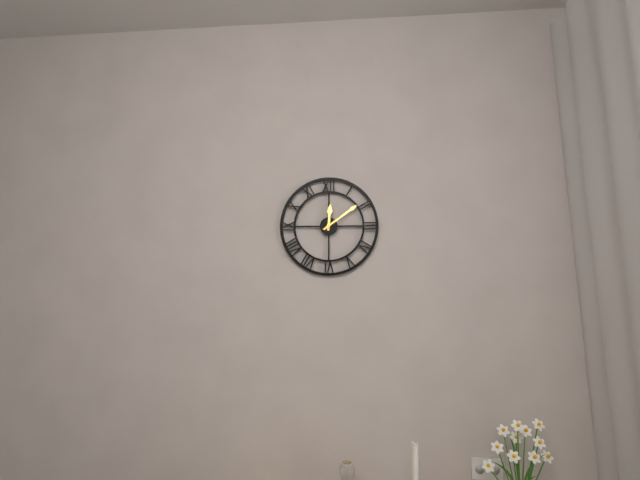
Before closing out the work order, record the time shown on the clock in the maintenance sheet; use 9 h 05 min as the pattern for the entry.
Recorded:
12 h 09 min
